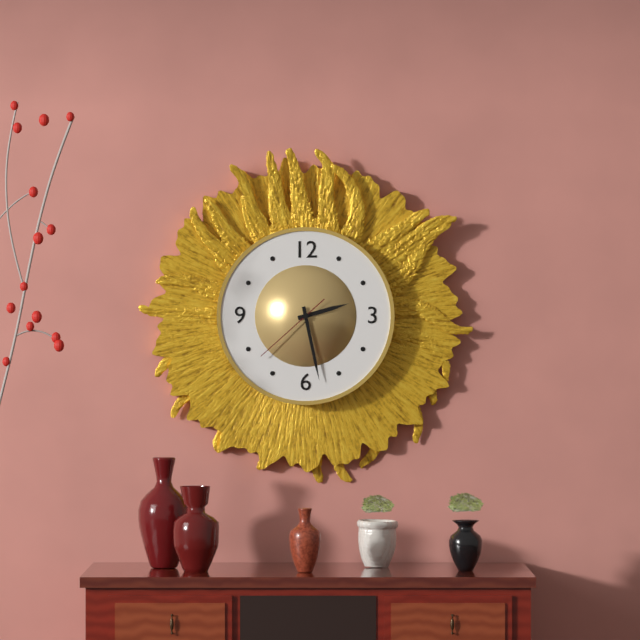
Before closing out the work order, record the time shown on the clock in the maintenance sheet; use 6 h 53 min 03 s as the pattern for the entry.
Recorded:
2 h 28 min 38 s
